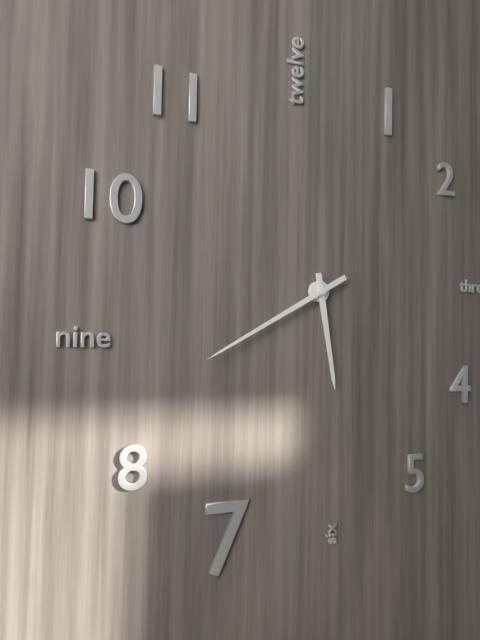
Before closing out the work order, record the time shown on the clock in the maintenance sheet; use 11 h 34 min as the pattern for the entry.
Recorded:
5 h 40 min
